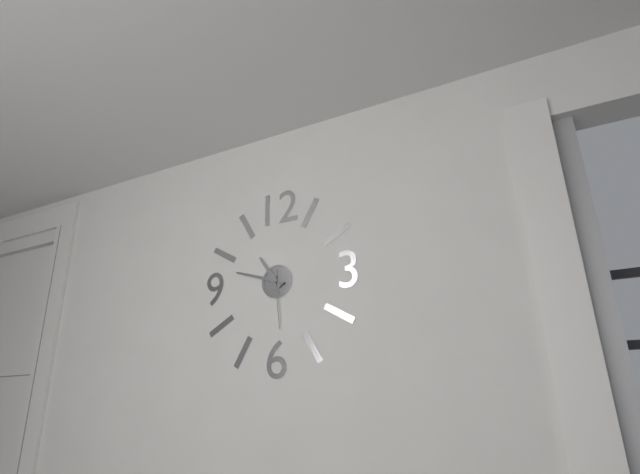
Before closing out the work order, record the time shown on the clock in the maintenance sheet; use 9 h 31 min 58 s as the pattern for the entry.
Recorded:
10 h 48 min 29 s
